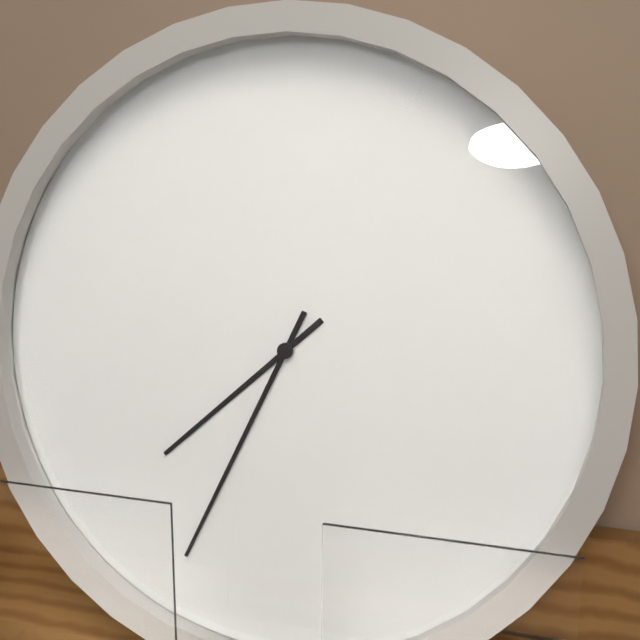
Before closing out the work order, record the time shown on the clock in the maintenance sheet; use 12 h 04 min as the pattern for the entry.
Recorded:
7 h 34 min
